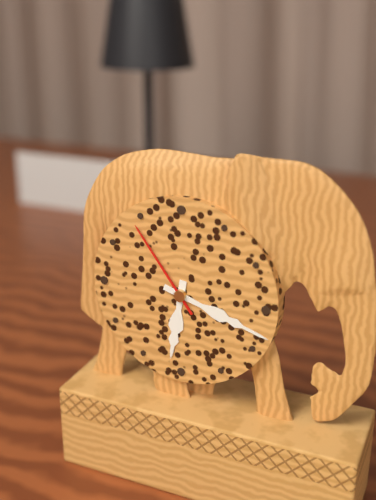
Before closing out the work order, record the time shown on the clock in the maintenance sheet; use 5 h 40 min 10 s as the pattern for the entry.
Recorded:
6 h 18 min 54 s
